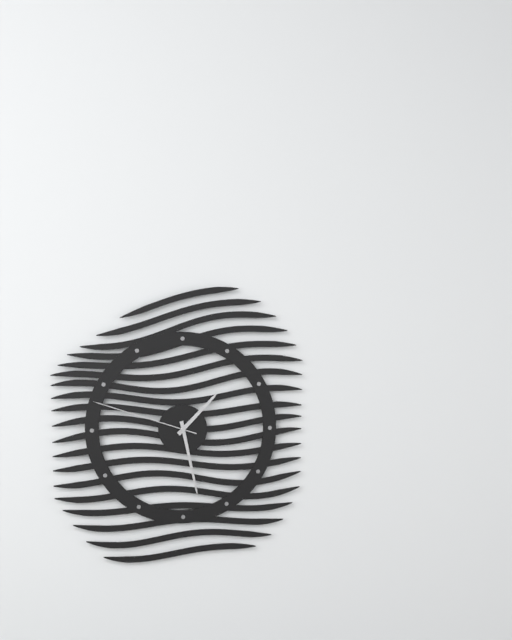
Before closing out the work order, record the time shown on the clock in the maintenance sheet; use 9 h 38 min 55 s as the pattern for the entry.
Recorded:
1 h 28 min 48 s
